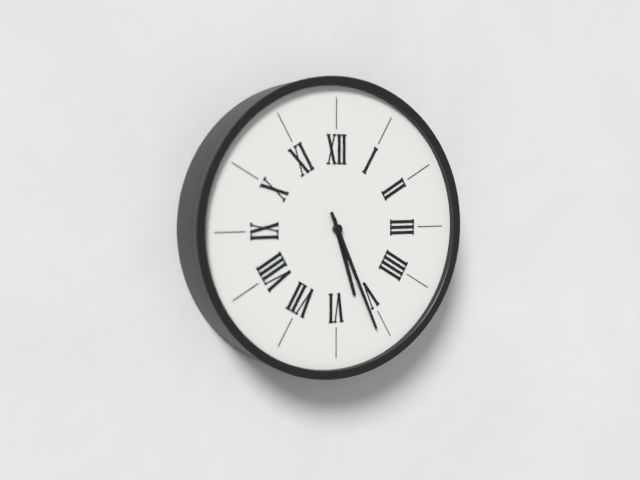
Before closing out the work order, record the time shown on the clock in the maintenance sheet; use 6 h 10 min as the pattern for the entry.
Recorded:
5 h 26 min
